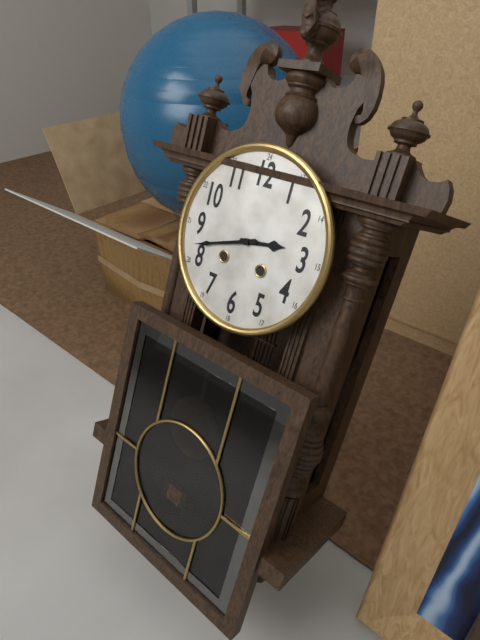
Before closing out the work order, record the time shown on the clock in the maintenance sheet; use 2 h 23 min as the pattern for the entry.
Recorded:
2 h 42 min
